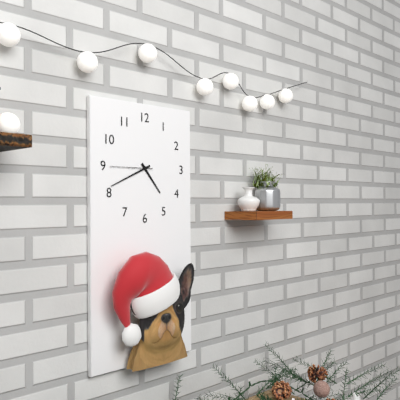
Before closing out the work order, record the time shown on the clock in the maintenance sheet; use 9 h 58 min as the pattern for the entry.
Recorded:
4 h 41 min
